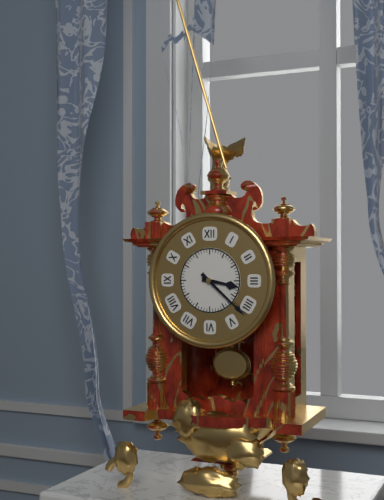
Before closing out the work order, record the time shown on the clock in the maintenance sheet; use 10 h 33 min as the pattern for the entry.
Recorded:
3 h 22 min
